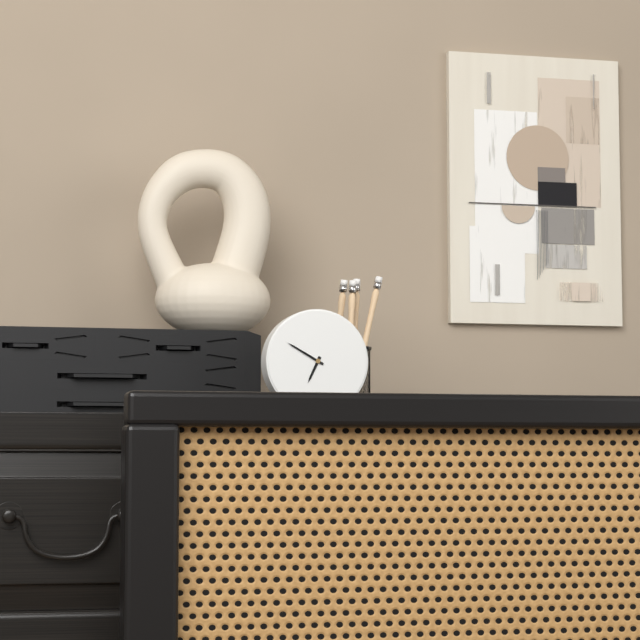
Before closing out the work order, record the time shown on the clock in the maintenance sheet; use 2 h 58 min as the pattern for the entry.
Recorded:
6 h 50 min
